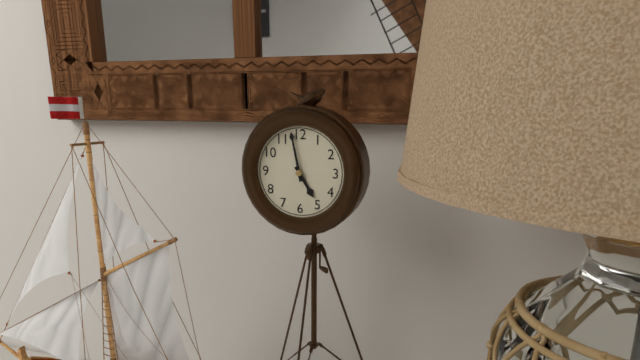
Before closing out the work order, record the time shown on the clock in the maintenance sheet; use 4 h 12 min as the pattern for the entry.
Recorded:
4 h 58 min
